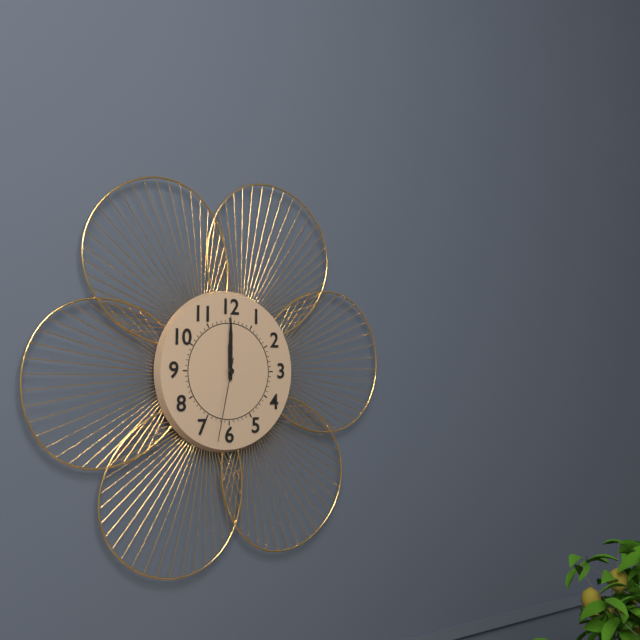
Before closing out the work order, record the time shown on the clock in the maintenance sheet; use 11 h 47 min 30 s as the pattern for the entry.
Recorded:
12 h 00 min 32 s
